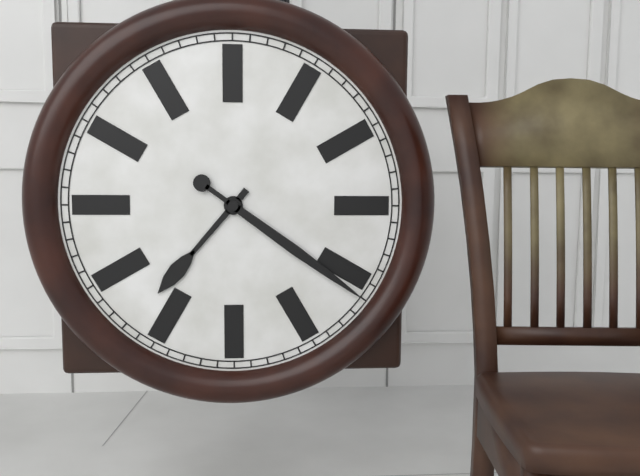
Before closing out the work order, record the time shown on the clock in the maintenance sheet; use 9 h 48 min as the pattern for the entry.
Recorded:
7 h 21 min
